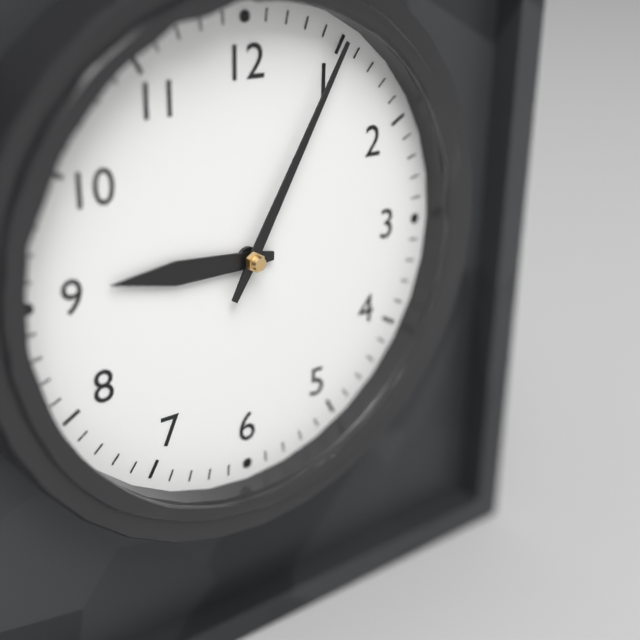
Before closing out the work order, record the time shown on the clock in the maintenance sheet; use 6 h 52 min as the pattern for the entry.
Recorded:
9 h 05 min
